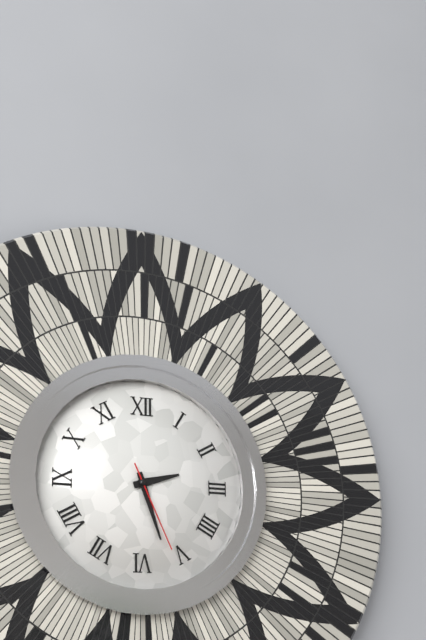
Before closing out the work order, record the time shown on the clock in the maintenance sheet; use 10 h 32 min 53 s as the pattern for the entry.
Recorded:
2 h 27 min 26 s
